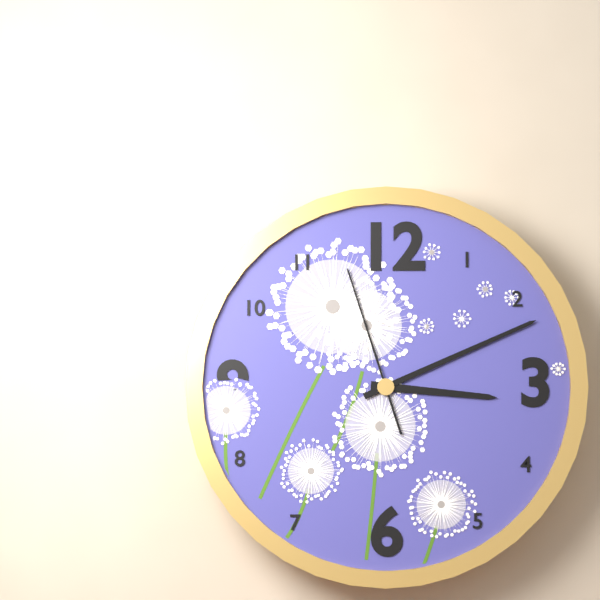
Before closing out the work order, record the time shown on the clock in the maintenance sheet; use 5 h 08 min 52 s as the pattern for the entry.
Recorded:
3 h 11 min 57 s
